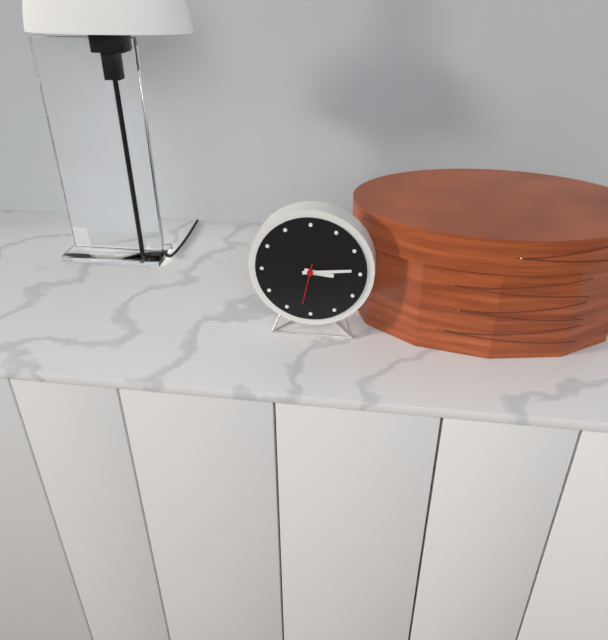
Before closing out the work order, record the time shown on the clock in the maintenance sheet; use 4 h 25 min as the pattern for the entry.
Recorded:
3 h 14 min
